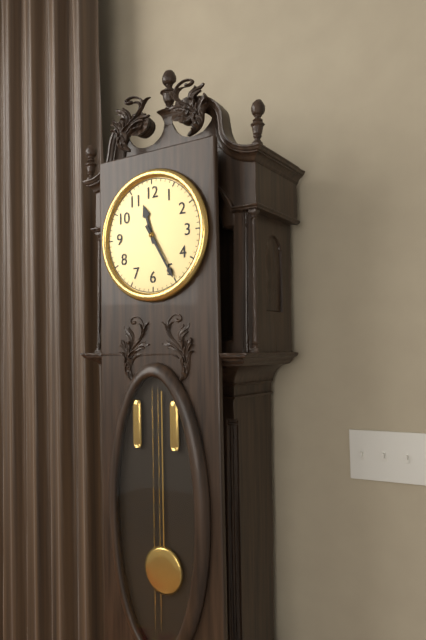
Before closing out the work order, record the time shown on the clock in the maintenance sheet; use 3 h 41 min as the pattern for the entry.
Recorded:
11 h 25 min
